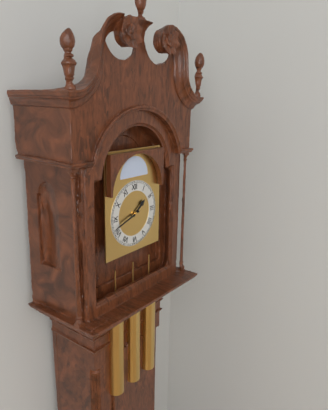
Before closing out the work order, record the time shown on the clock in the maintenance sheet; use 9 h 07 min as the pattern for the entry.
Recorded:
1 h 42 min
